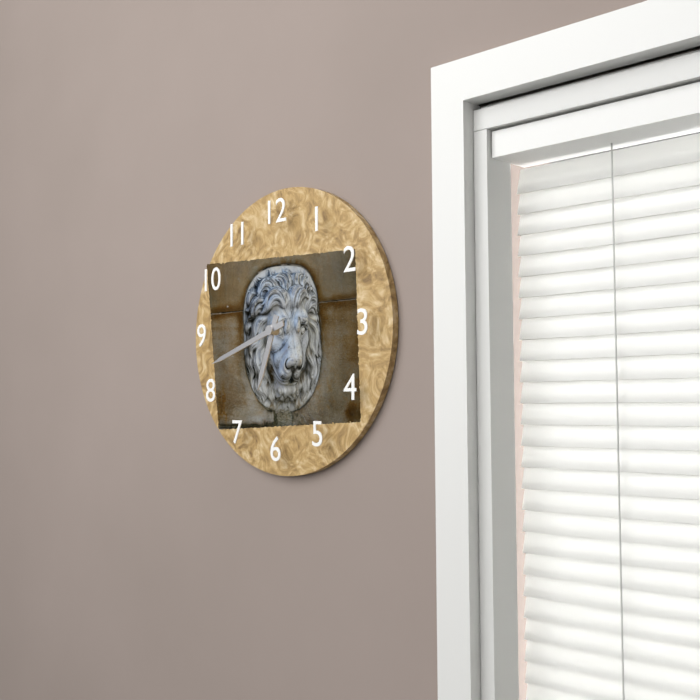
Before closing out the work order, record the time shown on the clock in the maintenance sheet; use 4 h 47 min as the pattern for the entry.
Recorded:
6 h 42 min
